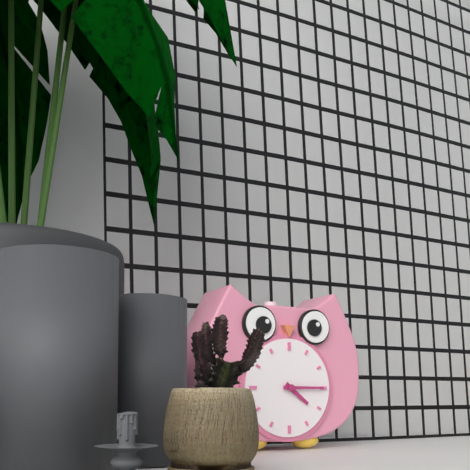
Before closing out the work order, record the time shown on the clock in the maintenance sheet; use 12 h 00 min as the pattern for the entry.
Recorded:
4 h 15 min
